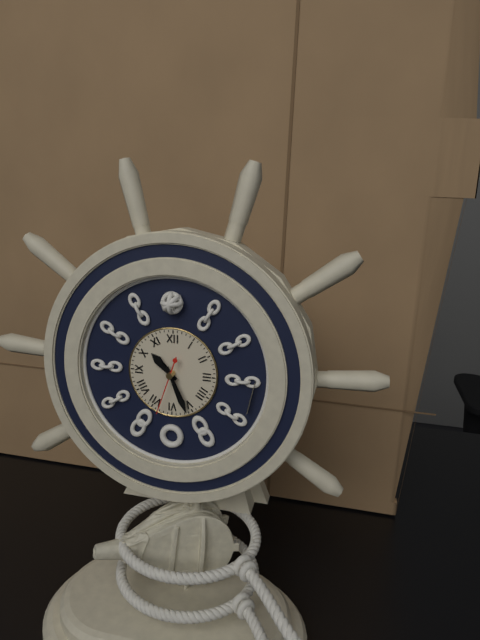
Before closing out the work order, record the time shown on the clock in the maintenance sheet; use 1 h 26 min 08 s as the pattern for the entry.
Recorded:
10 h 26 min 33 s
